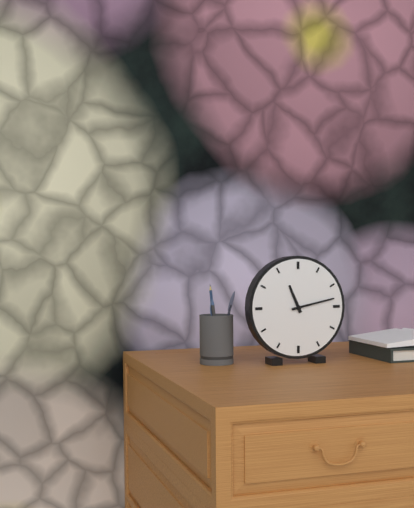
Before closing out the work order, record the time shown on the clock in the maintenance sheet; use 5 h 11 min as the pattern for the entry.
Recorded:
11 h 13 min
